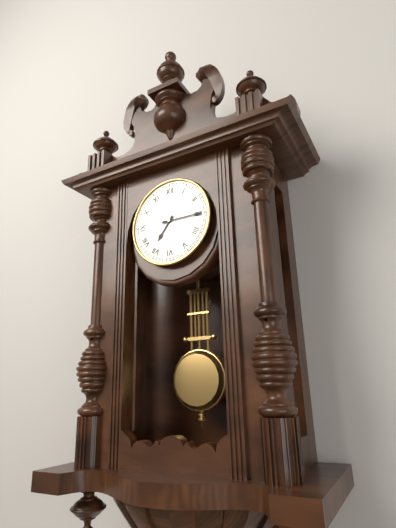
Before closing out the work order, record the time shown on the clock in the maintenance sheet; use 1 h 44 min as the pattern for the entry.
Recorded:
7 h 15 min
